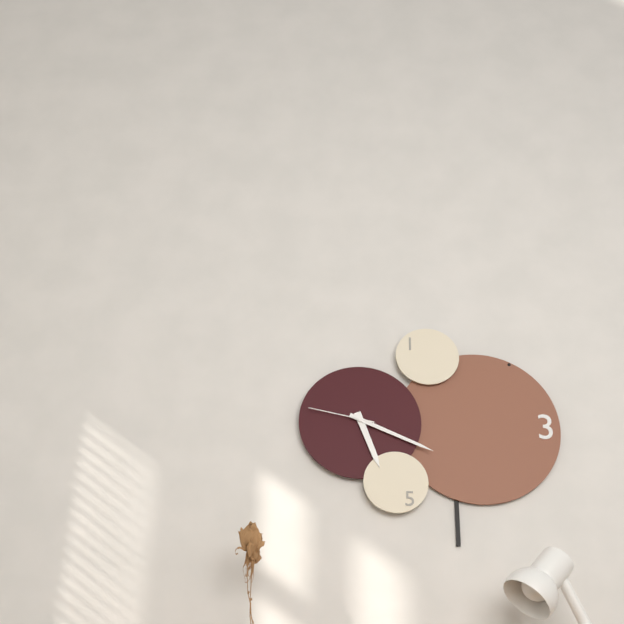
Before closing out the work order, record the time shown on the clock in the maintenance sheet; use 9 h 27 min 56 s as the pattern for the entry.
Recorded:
5 h 19 min 47 s
